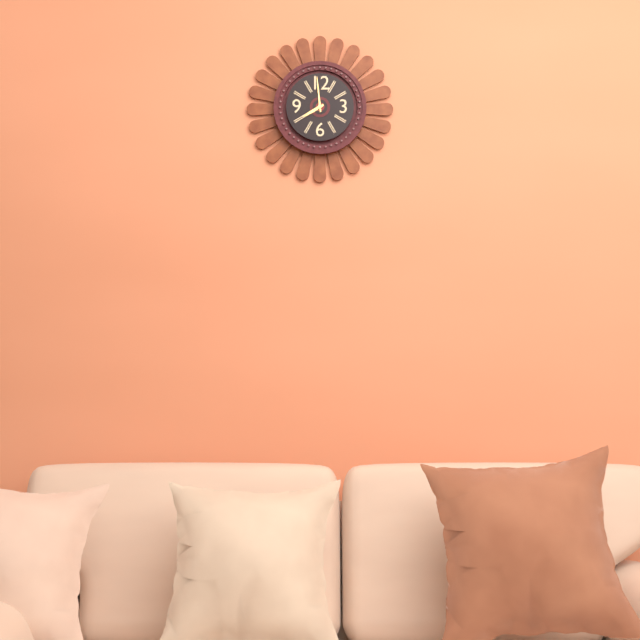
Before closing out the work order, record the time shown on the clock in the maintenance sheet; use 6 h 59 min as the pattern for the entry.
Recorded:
7 h 59 min
